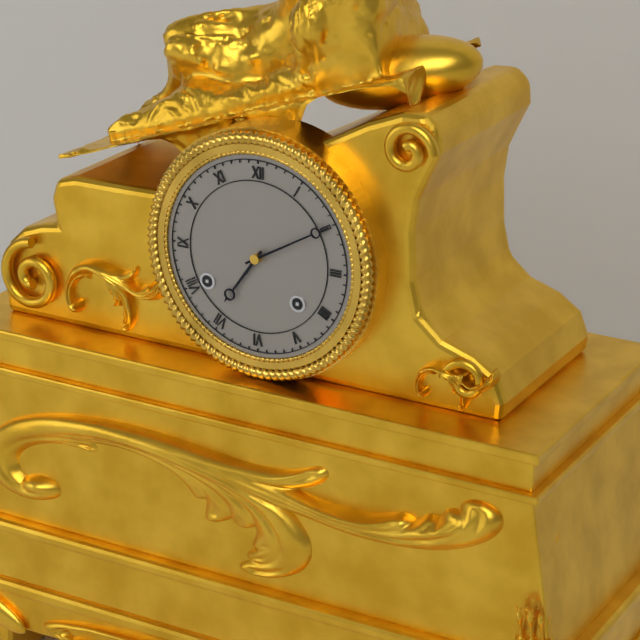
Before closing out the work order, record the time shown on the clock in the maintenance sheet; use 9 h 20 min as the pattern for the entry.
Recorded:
7 h 10 min
